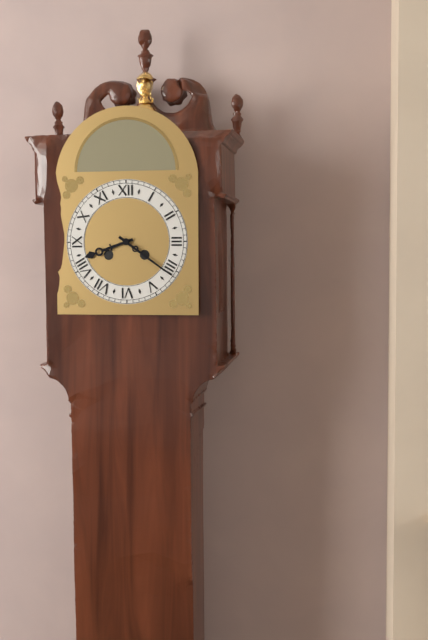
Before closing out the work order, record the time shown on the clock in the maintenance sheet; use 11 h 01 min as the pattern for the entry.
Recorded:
8 h 21 min
